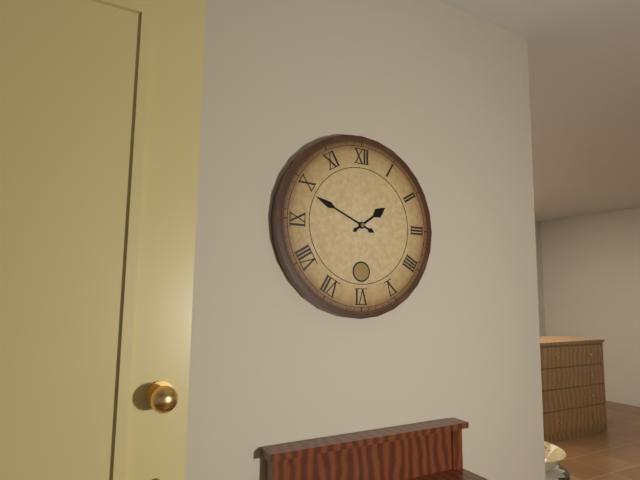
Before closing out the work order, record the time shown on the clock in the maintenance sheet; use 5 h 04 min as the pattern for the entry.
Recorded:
1 h 49 min
